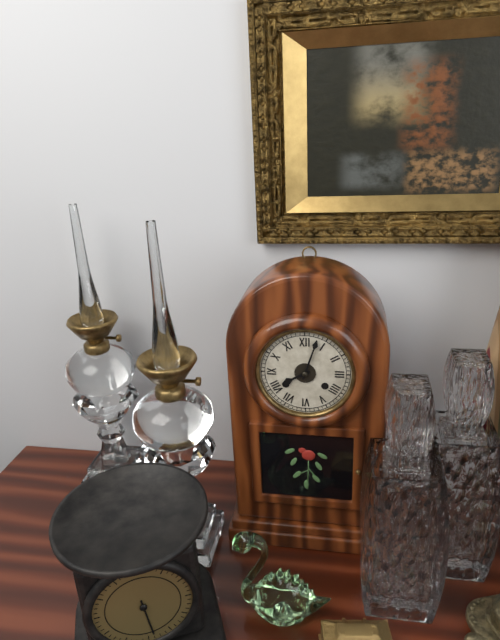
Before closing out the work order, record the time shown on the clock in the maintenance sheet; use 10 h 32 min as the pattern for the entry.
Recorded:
8 h 03 min
